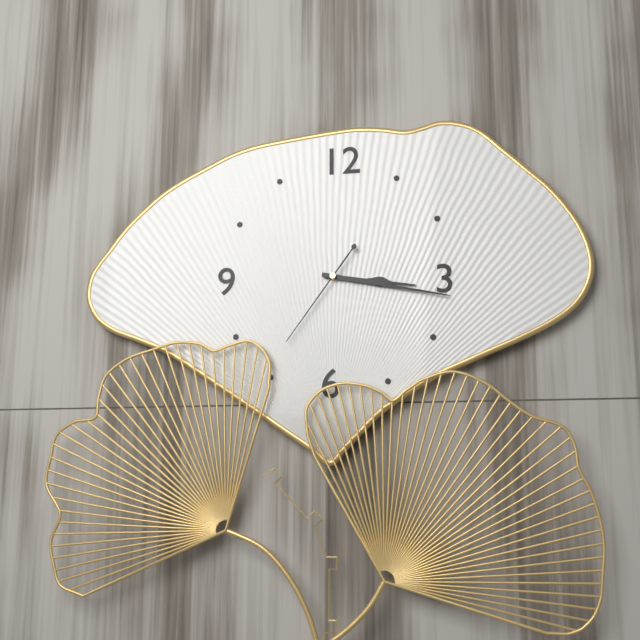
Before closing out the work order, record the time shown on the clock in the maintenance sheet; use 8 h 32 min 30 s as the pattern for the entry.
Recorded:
3 h 17 min 36 s
